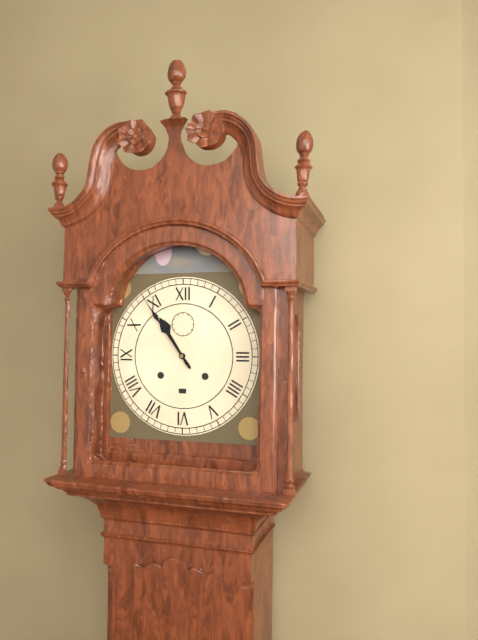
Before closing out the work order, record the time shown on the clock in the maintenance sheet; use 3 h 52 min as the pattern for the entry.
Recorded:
10 h 54 min
